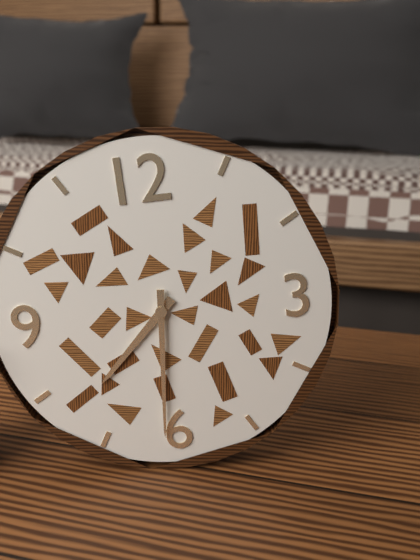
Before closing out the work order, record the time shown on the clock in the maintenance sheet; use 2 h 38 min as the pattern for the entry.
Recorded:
7 h 31 min
